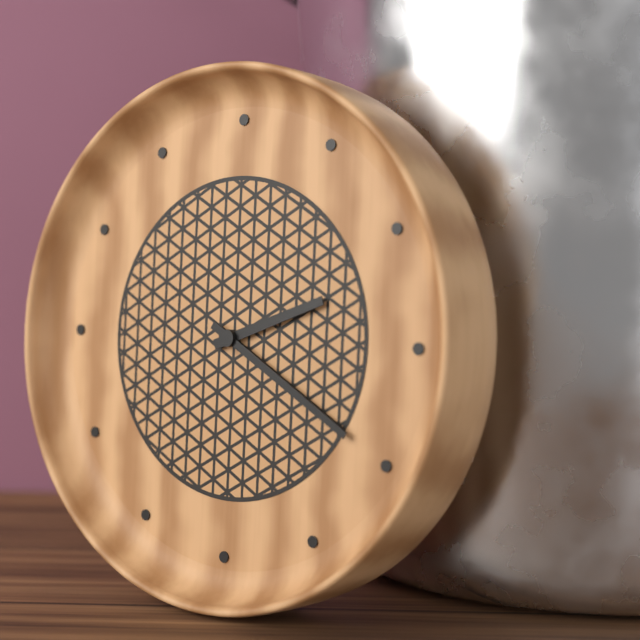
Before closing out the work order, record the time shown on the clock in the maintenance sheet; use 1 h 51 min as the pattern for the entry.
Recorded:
2 h 20 min
